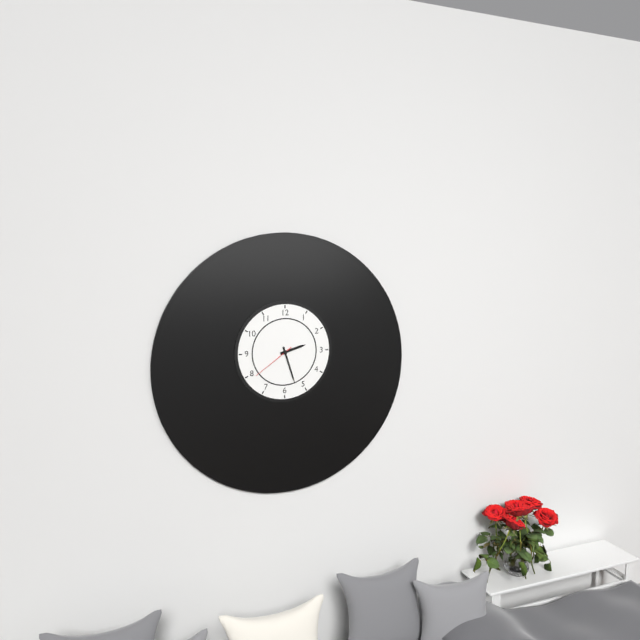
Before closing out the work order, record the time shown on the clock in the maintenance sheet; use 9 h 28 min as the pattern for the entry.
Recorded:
2 h 27 min
